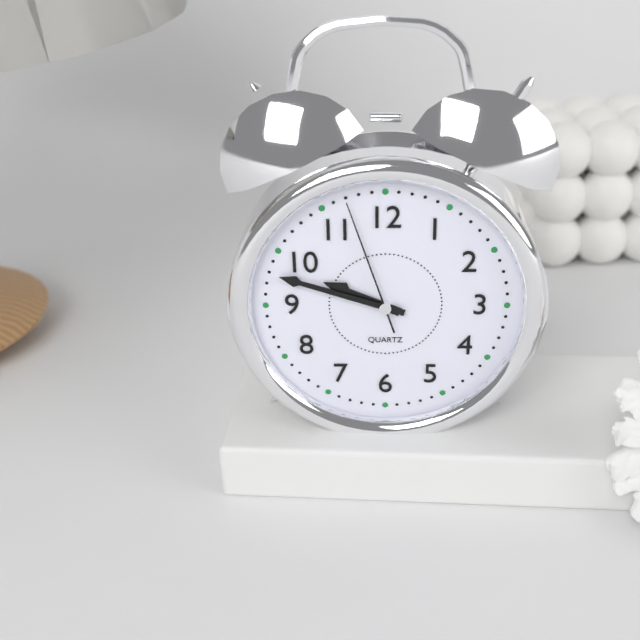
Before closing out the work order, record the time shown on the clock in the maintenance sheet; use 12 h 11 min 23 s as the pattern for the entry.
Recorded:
9 h 48 min 57 s
